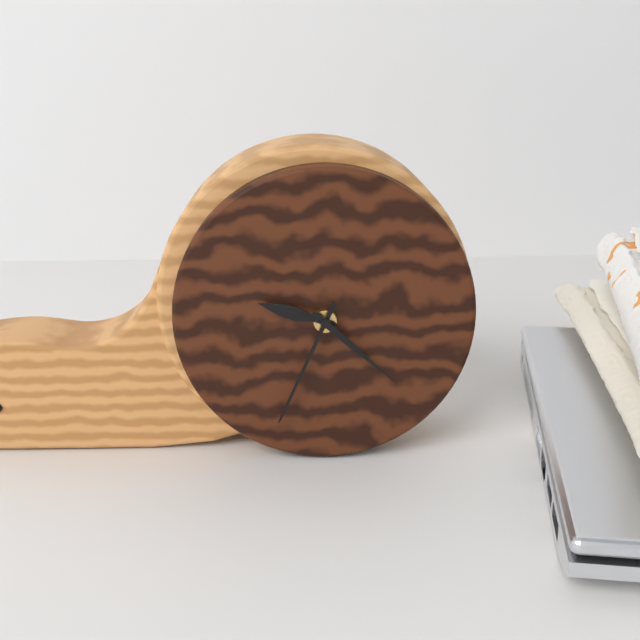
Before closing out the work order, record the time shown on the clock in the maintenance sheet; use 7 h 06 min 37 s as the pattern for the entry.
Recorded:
9 h 34 min 22 s
